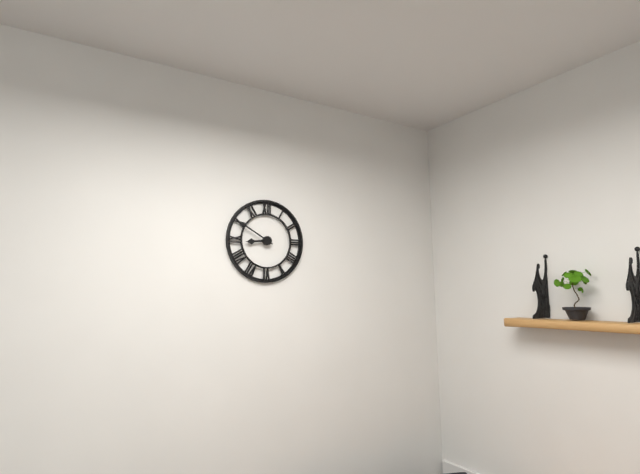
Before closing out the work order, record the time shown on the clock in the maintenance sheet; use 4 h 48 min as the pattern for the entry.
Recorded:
8 h 50 min
